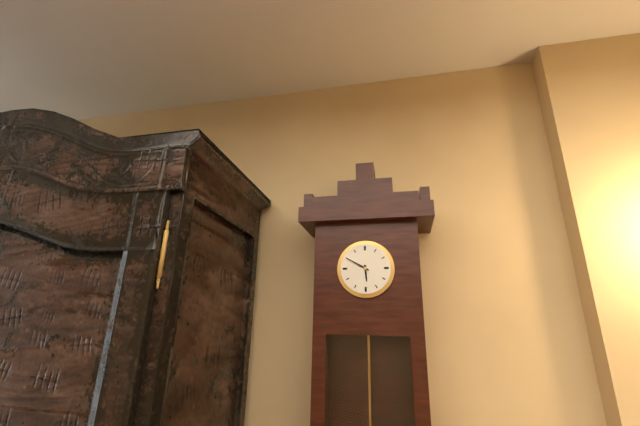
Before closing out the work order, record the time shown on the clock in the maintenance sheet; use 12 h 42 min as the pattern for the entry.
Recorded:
5 h 50 min
